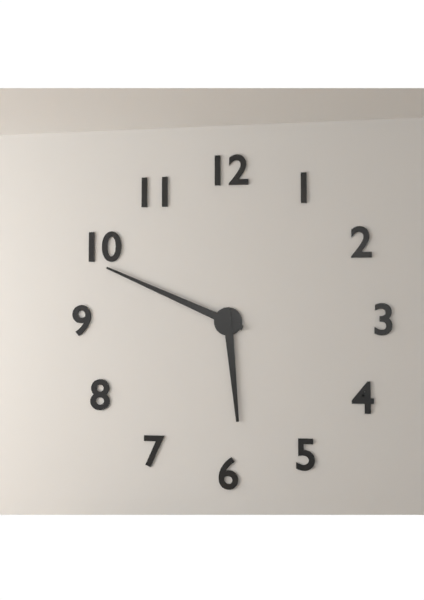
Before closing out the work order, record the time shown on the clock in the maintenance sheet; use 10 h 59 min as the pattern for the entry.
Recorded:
5 h 49 min
